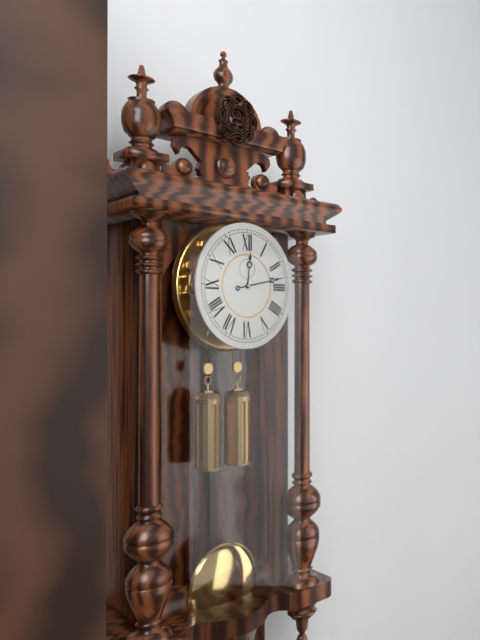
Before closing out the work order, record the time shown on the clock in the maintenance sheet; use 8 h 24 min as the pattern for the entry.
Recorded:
12 h 13 min
